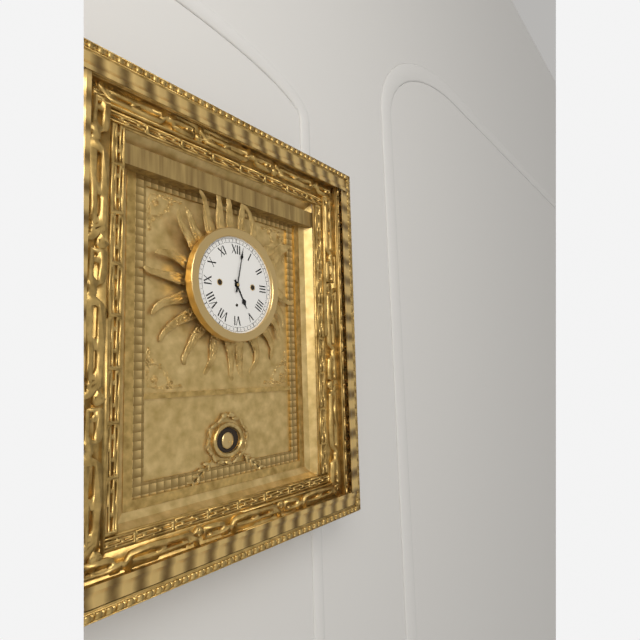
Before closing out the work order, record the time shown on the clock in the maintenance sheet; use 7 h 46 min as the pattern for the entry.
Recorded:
5 h 02 min
